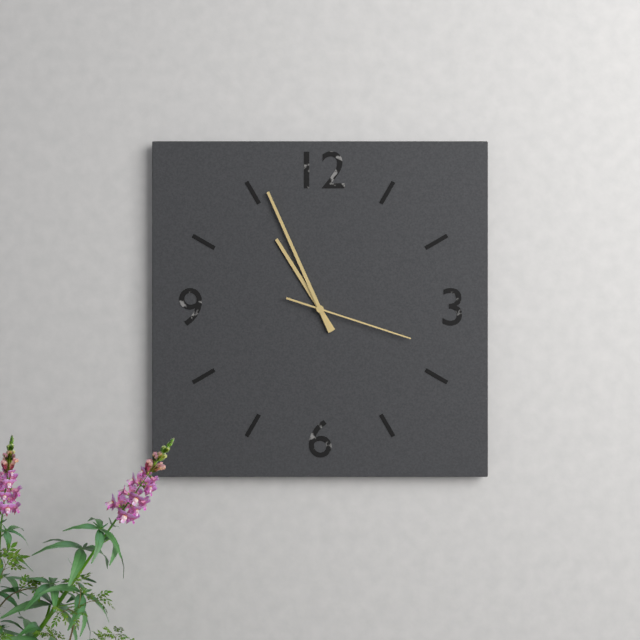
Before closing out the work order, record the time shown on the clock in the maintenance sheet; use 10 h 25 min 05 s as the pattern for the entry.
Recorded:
10 h 56 min 18 s
